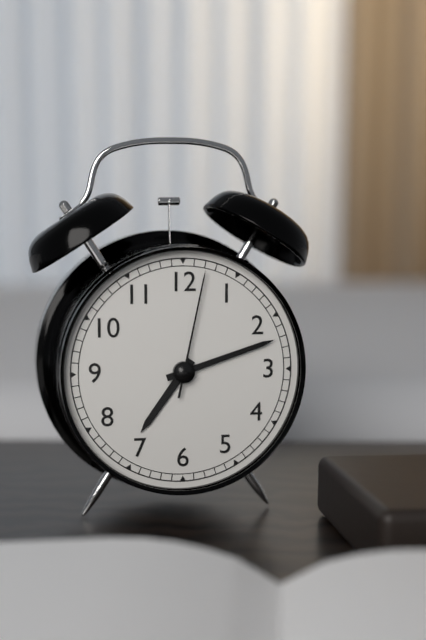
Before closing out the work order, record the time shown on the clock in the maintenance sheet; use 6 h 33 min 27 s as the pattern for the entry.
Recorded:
7 h 12 min 02 s
